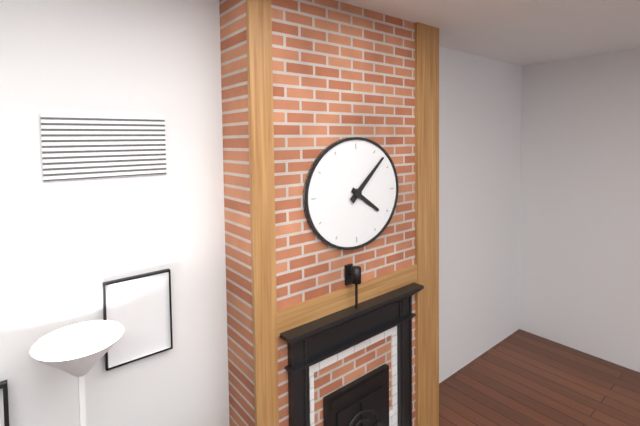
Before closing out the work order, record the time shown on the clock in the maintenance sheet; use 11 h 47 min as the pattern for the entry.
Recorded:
4 h 08 min
